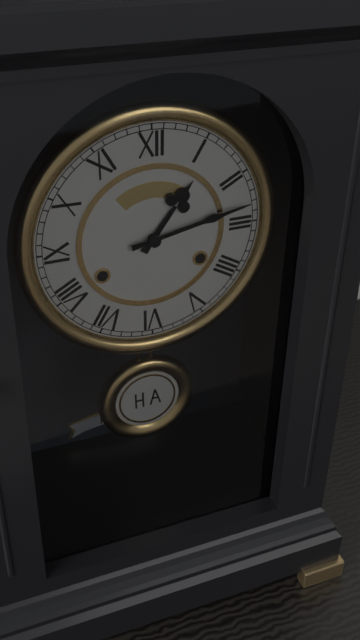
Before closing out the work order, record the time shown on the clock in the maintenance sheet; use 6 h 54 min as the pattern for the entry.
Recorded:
1 h 13 min
